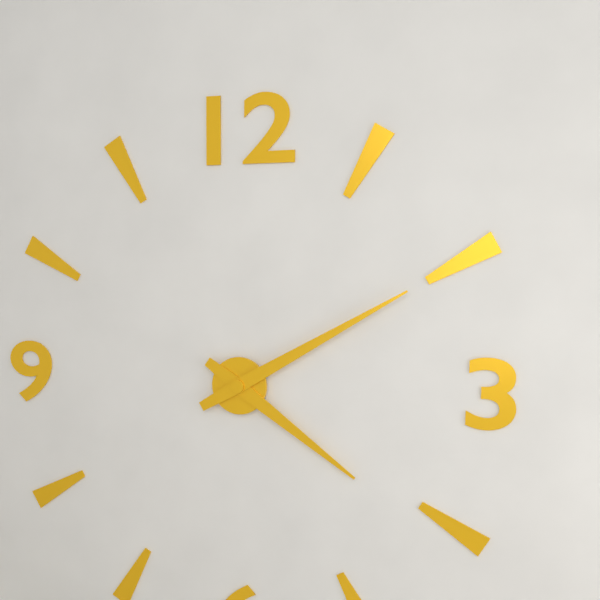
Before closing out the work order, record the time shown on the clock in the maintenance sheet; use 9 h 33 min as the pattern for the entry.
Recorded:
4 h 10 min
